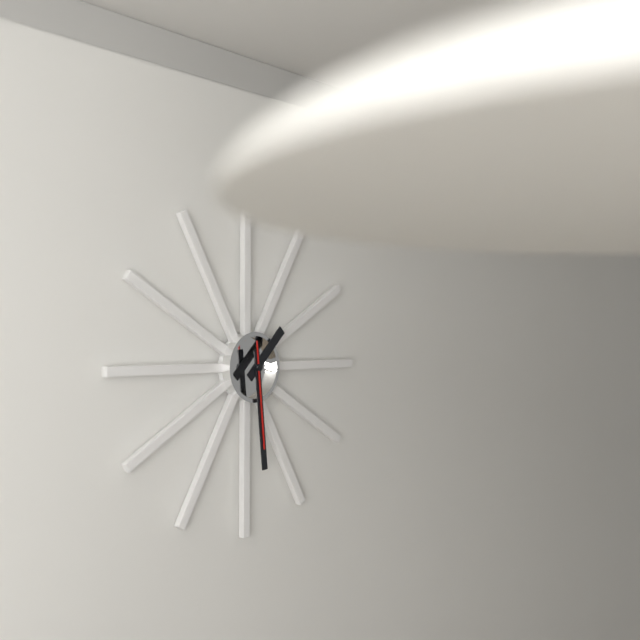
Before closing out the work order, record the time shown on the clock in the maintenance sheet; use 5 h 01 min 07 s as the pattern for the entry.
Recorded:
1 h 29 min 29 s
